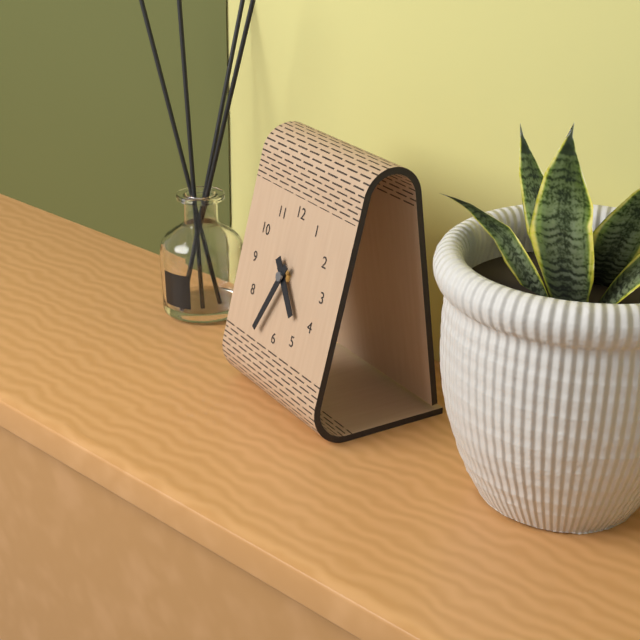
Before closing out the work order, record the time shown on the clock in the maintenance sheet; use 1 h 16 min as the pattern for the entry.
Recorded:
4 h 34 min
